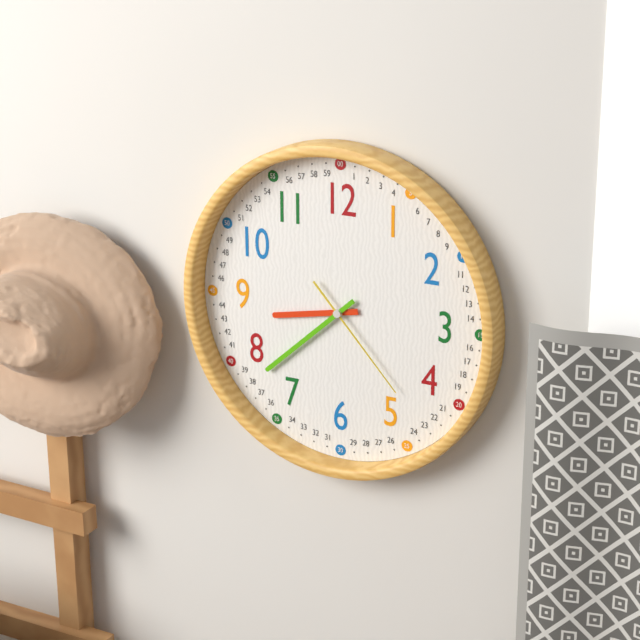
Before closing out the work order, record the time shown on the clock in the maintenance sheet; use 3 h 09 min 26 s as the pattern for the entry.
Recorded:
8 h 38 min 23 s
